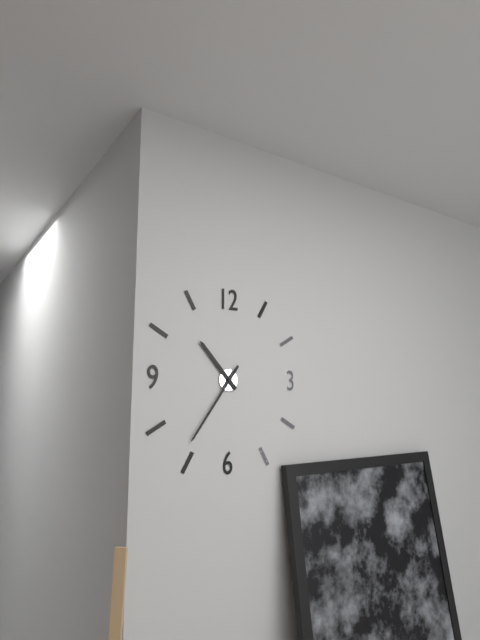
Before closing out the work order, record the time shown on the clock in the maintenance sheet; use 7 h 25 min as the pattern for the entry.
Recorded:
10 h 36 min
